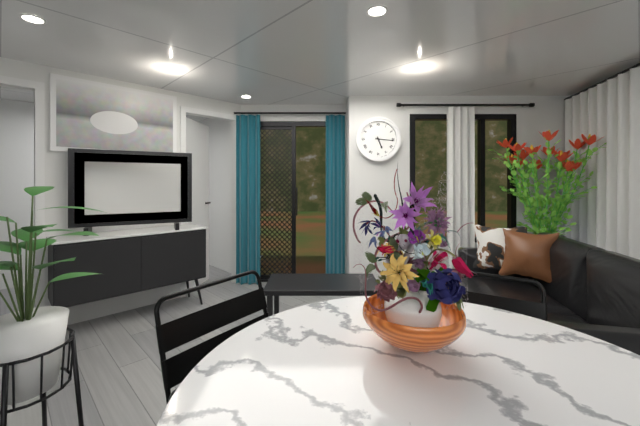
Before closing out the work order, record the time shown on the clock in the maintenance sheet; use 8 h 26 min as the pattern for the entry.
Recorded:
5 h 16 min
